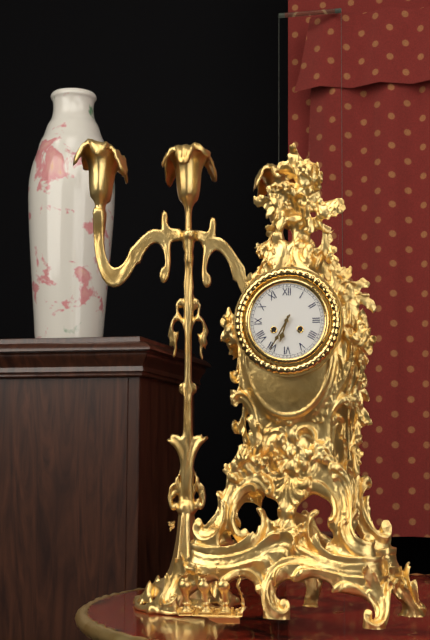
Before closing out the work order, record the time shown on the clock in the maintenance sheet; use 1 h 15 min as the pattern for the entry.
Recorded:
6 h 35 min
